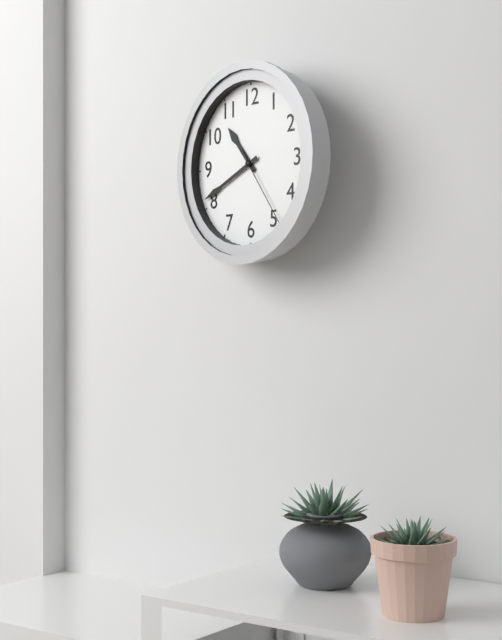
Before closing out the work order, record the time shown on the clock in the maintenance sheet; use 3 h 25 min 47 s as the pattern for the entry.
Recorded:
10 h 41 min 24 s
